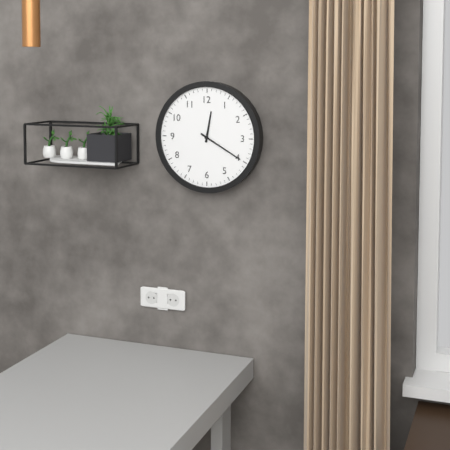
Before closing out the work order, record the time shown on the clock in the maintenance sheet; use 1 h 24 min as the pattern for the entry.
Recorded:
12 h 20 min
